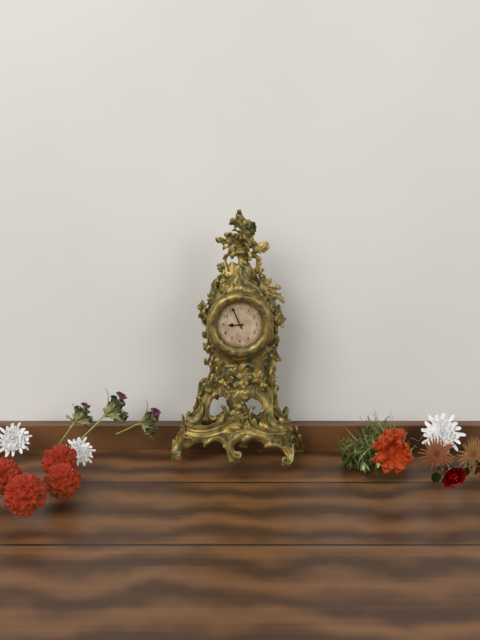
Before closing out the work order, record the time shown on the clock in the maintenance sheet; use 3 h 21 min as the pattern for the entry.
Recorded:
8 h 56 min
